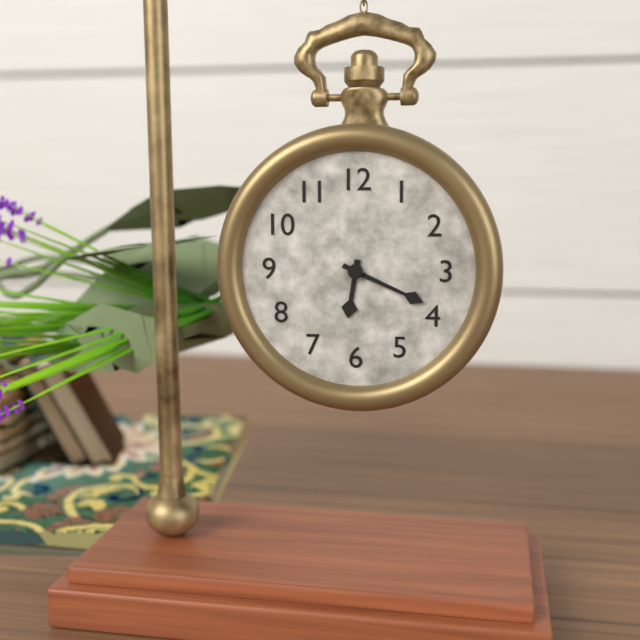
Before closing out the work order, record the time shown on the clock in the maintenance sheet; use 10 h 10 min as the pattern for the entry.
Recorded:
6 h 19 min
